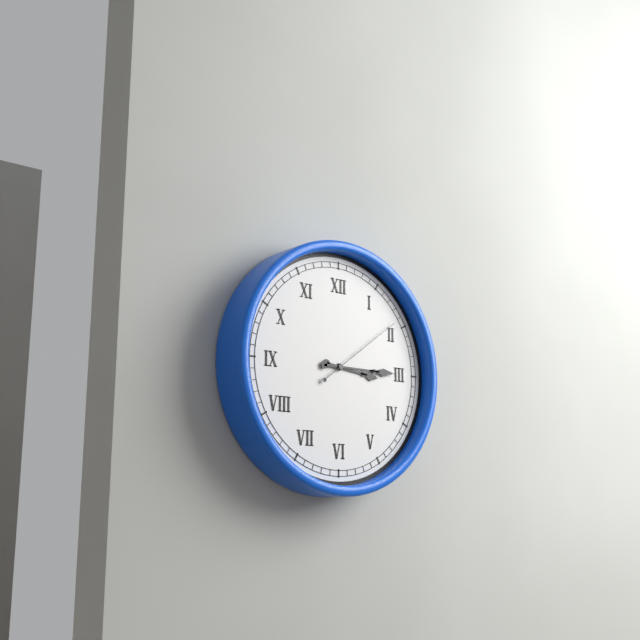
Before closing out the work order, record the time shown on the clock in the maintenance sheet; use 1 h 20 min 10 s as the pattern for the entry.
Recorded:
3 h 15 min 09 s
